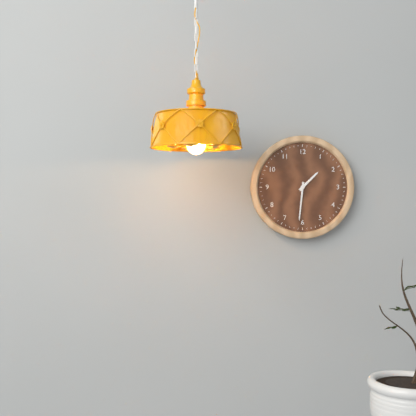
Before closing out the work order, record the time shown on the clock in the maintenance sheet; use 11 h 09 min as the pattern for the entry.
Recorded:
1 h 31 min
